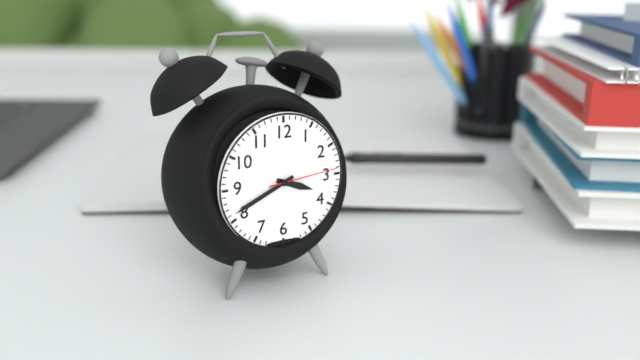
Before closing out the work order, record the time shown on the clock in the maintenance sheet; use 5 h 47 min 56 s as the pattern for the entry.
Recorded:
3 h 41 min 14 s
